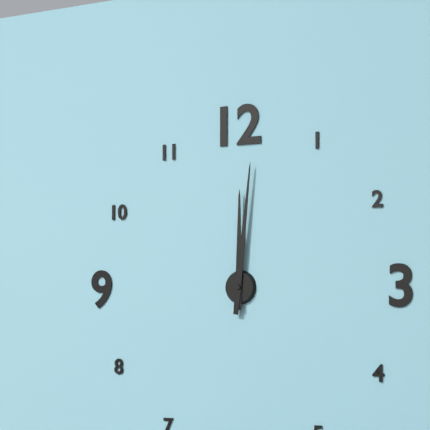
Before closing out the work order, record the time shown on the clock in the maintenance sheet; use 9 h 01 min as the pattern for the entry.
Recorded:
12 h 01 min
